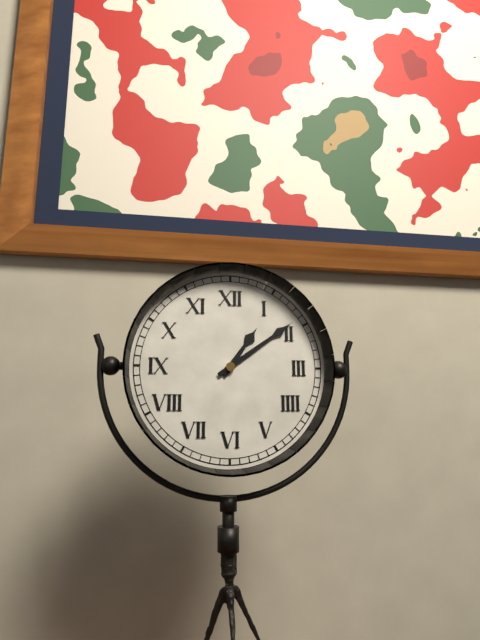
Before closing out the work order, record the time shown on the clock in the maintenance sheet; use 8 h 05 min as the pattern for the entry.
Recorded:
1 h 09 min
